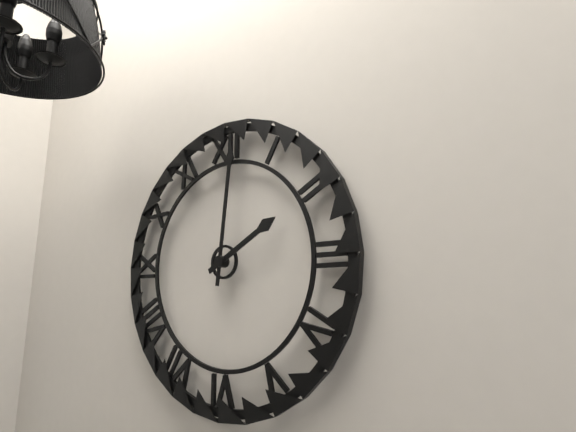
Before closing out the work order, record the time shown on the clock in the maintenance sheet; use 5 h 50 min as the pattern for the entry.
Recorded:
2 h 01 min
